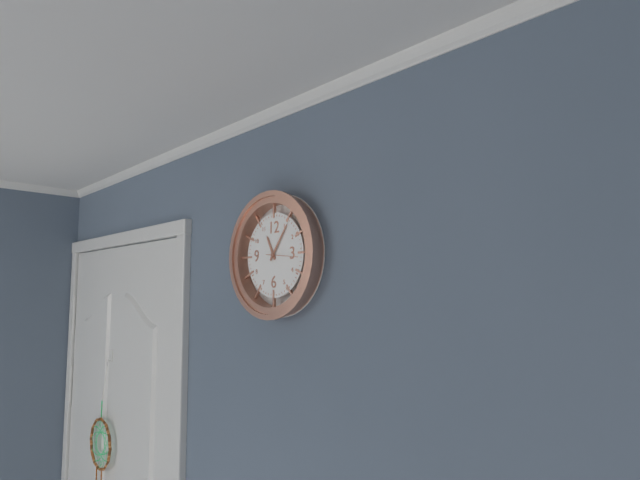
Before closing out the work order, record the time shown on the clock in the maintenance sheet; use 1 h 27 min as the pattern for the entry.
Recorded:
11 h 06 min
